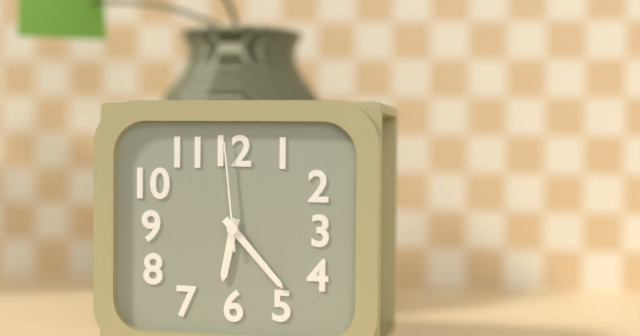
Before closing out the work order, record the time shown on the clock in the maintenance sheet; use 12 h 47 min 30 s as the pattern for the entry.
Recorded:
6 h 23 min 59 s
